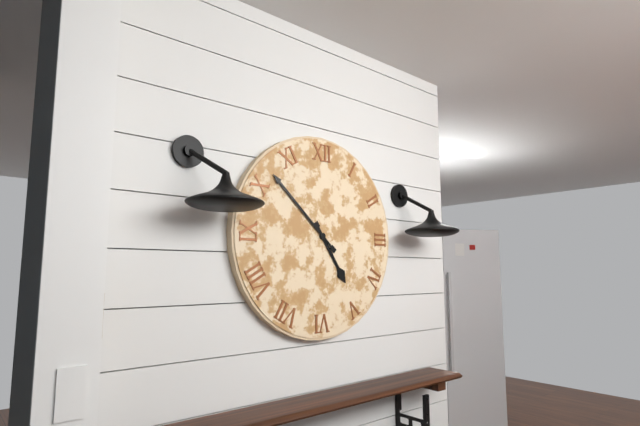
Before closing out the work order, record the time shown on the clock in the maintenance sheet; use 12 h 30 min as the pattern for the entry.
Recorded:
4 h 52 min
